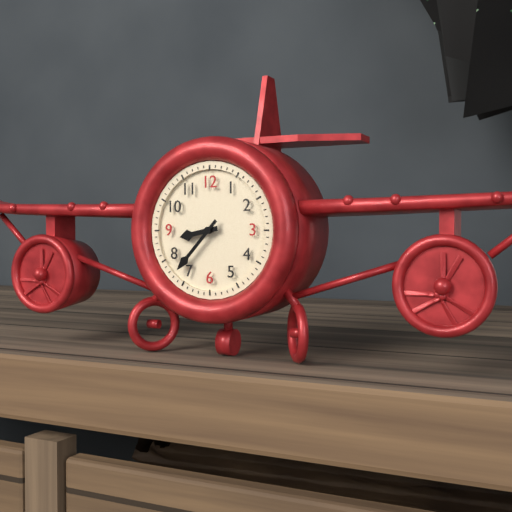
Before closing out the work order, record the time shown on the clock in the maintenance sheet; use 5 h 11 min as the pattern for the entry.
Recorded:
8 h 37 min
